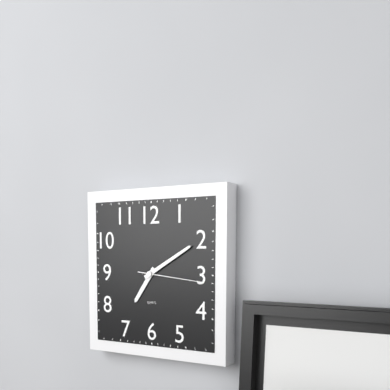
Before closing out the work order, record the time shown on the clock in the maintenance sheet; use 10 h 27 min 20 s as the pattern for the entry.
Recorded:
7 h 10 min 16 s
